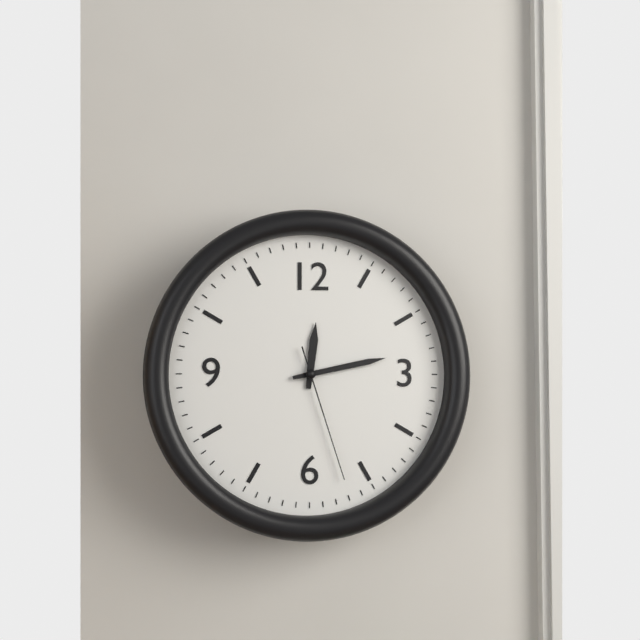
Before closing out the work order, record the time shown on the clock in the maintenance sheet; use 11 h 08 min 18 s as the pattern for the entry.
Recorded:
12 h 13 min 27 s
